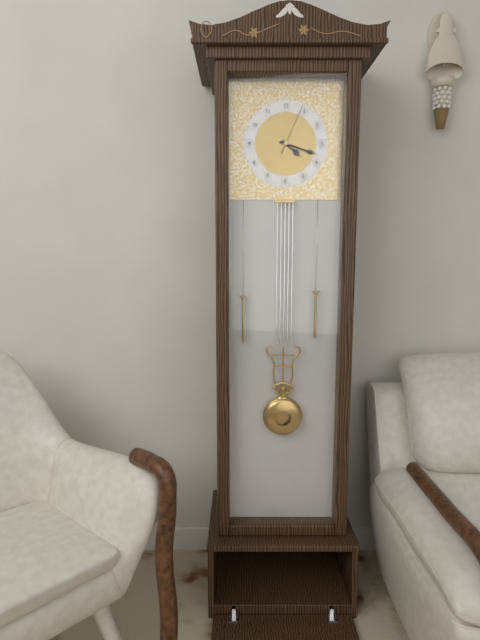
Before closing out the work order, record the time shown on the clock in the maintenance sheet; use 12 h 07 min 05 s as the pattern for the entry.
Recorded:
4 h 18 min 04 s
